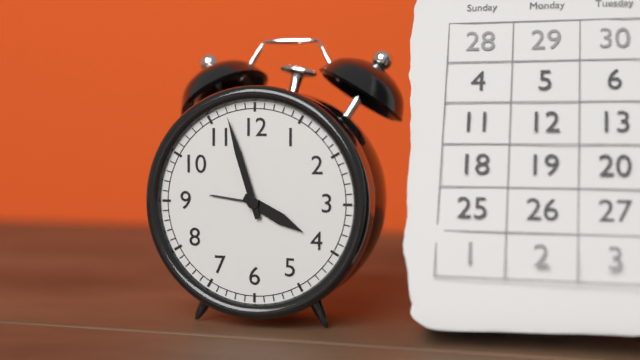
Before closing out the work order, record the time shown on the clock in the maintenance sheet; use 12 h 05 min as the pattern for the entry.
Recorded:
3 h 57 min
